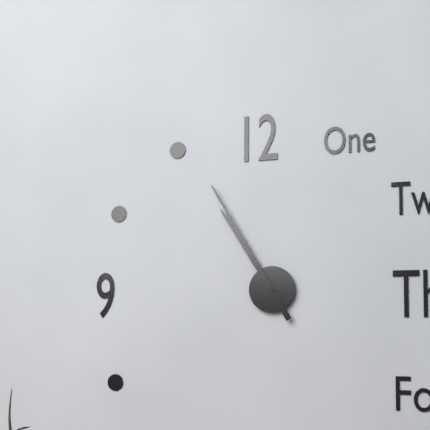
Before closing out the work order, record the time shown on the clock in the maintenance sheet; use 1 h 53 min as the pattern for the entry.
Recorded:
10 h 55 min
